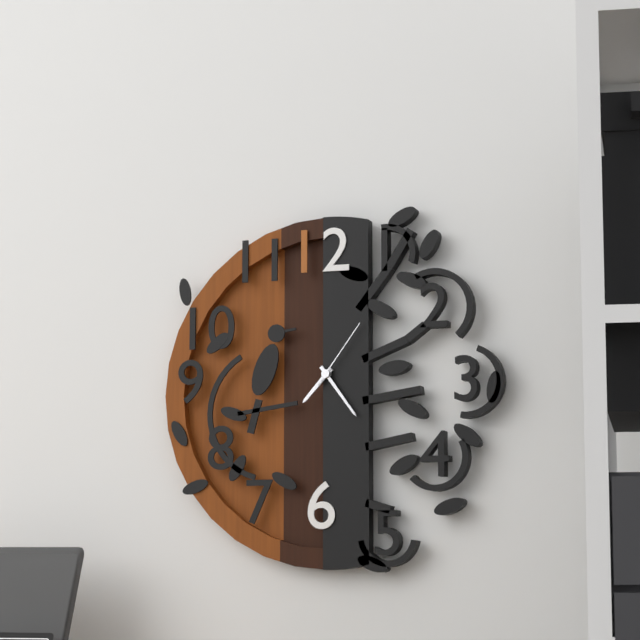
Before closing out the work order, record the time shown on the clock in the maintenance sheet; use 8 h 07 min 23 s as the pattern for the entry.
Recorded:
7 h 24 min 06 s
